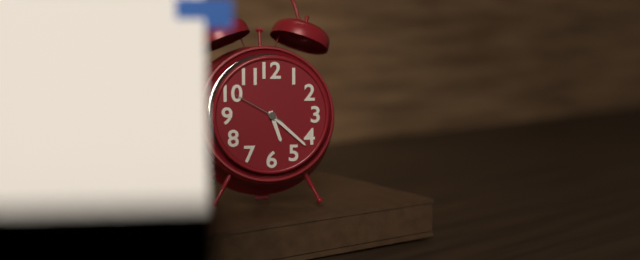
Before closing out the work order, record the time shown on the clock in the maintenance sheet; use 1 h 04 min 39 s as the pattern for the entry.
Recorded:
5 h 22 min 50 s
